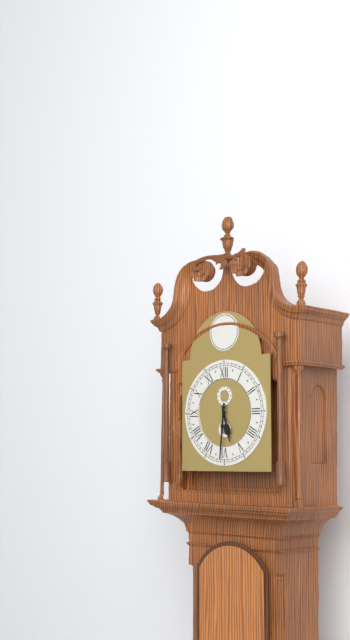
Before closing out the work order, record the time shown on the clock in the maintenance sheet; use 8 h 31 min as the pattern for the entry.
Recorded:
5 h 31 min
